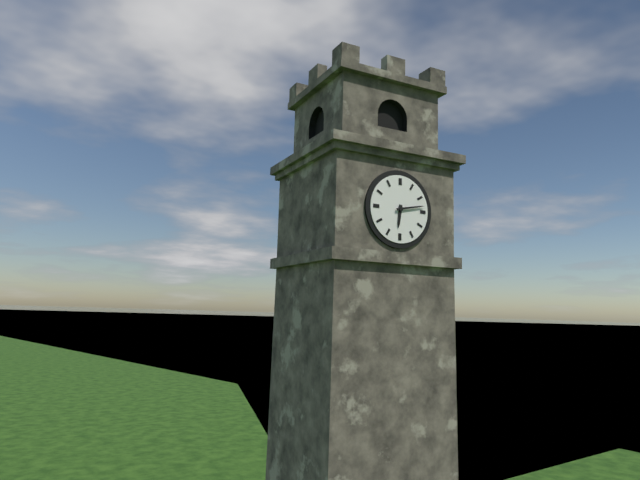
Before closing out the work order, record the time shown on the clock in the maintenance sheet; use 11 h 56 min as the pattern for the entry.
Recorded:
6 h 13 min
